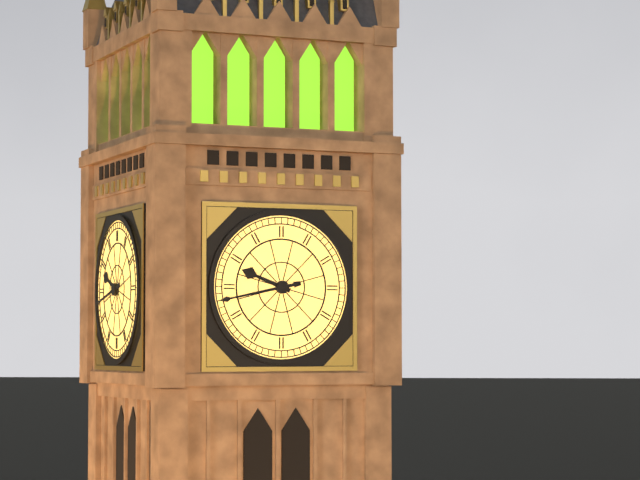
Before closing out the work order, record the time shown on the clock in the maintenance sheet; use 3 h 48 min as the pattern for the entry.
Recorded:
9 h 43 min
